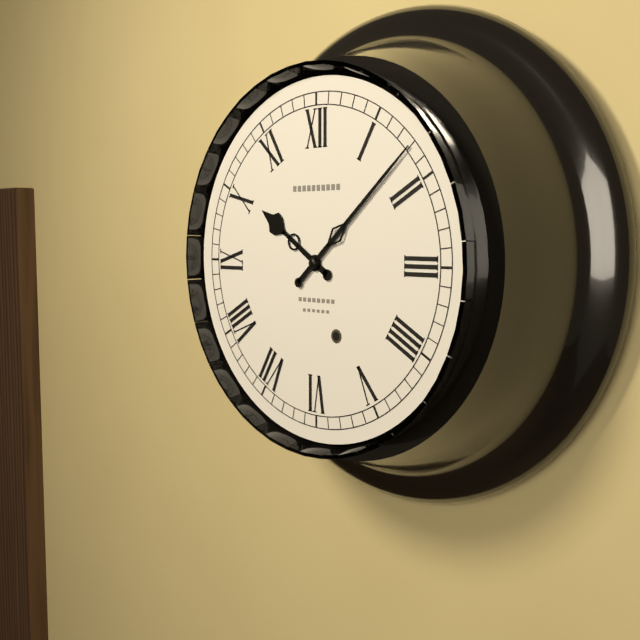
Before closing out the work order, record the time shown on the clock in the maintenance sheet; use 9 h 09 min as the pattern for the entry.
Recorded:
10 h 08 min
